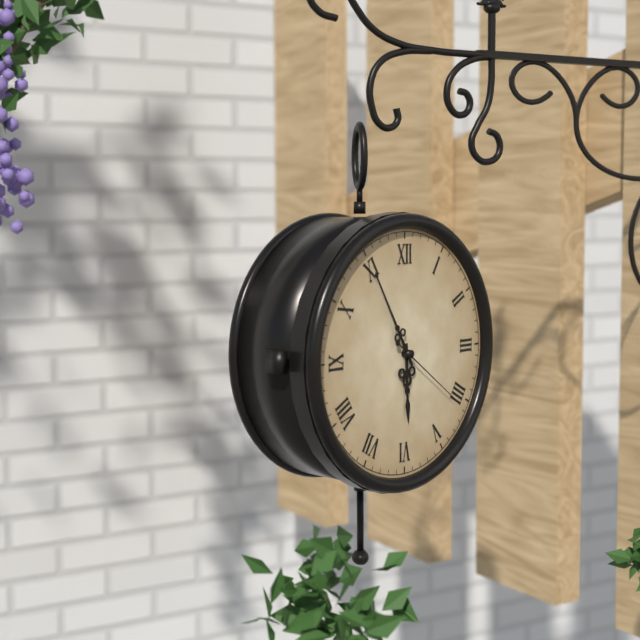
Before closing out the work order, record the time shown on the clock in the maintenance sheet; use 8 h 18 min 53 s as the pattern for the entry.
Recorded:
5 h 55 min 21 s
